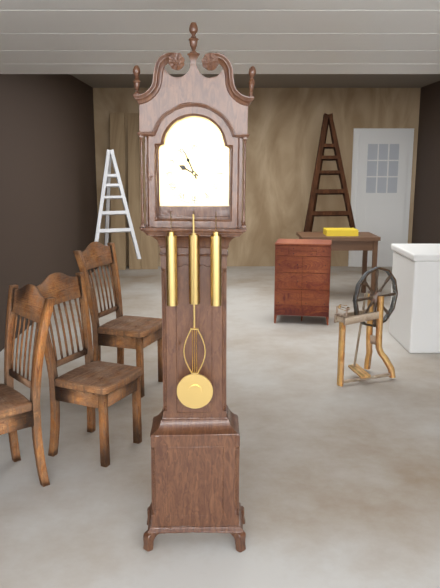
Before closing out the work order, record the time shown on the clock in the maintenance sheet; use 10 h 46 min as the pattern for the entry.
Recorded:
9 h 56 min
